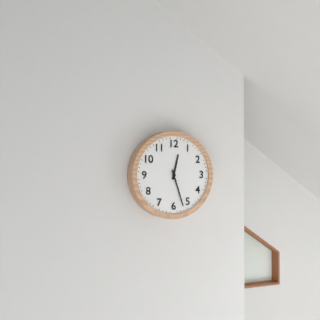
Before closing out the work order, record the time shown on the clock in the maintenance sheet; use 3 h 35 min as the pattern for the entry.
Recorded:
12 h 27 min
